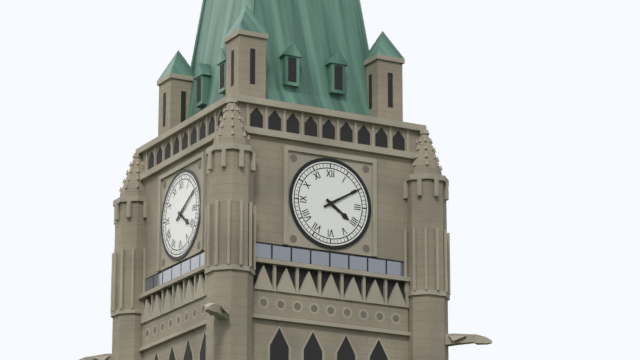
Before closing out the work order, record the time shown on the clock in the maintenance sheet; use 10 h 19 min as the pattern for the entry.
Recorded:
4 h 10 min
